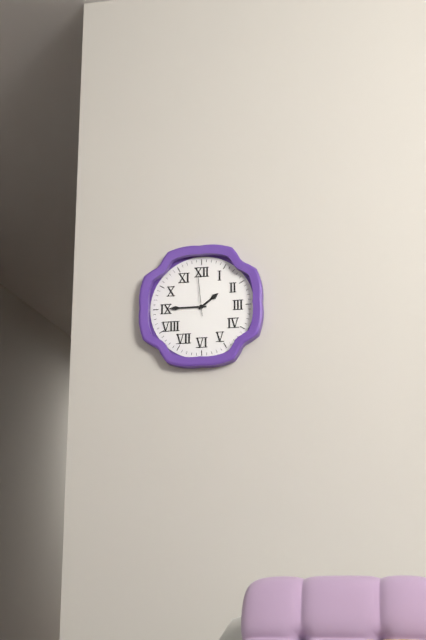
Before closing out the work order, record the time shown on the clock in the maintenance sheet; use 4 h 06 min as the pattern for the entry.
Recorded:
1 h 45 min
